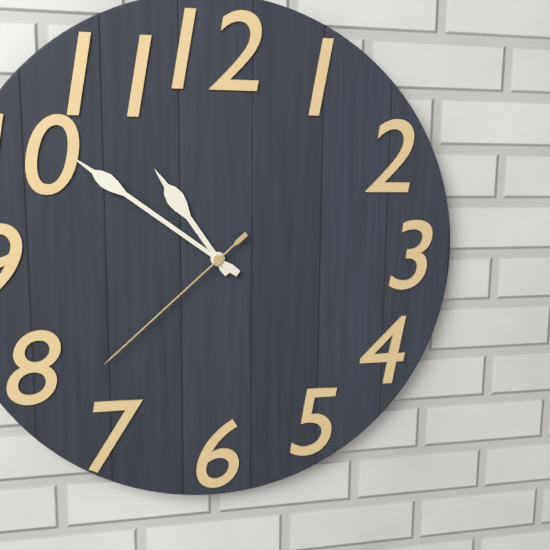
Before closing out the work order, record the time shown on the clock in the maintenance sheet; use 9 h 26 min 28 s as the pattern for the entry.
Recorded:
10 h 51 min 38 s
